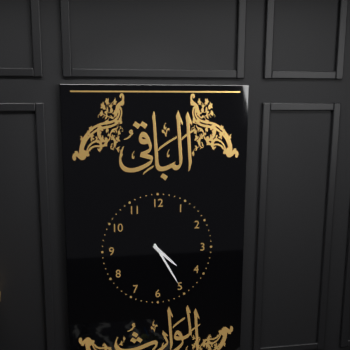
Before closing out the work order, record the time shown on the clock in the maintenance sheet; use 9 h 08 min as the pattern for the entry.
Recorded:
4 h 25 min
